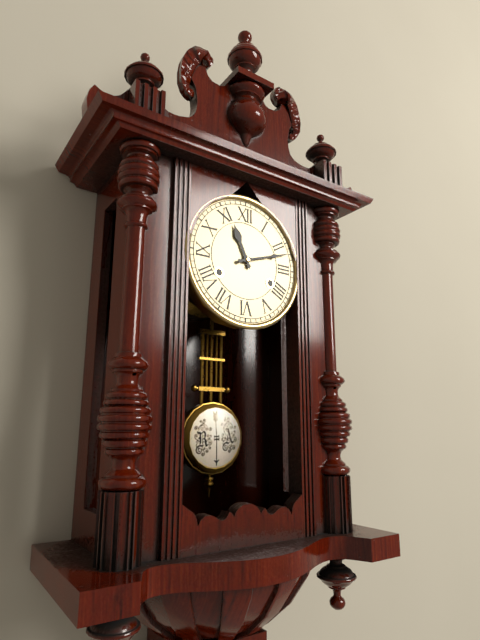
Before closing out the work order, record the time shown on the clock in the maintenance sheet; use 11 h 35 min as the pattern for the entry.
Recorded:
11 h 12 min
